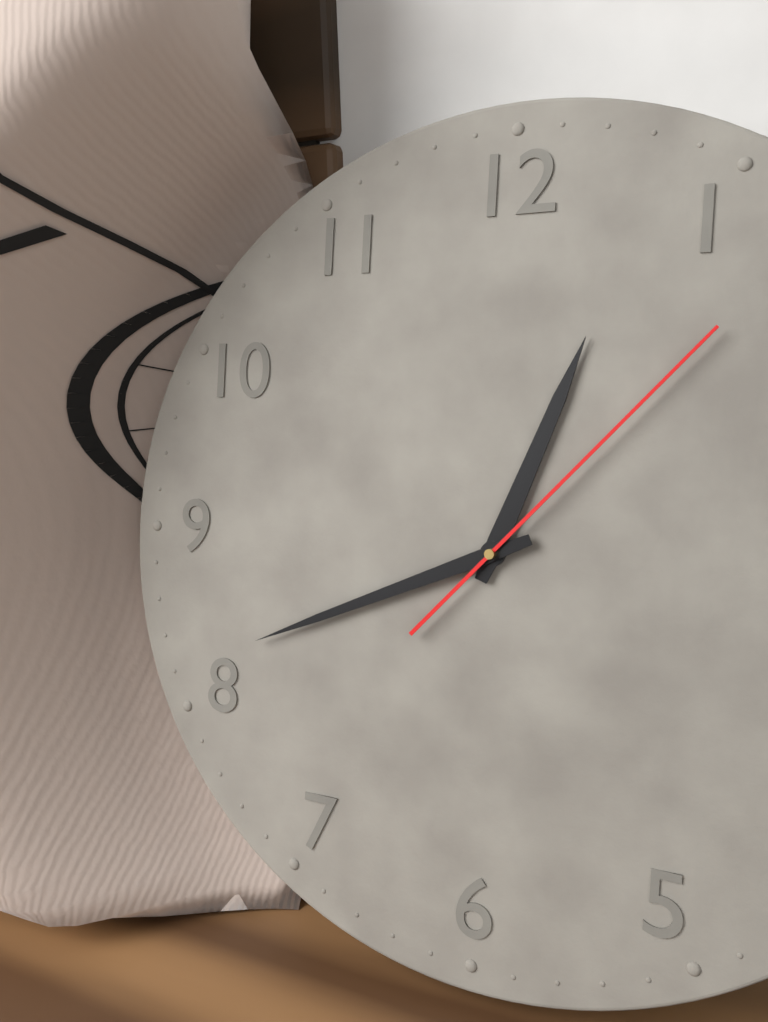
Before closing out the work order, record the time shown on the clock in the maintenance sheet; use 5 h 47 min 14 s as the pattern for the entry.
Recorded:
12 h 41 min 07 s
